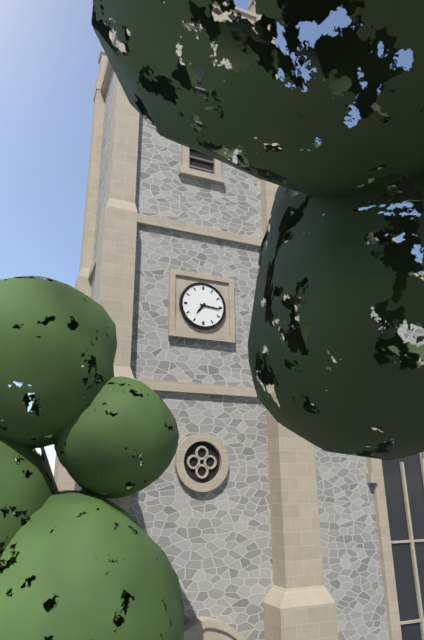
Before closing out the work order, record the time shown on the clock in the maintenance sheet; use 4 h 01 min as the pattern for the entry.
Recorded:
7 h 16 min
